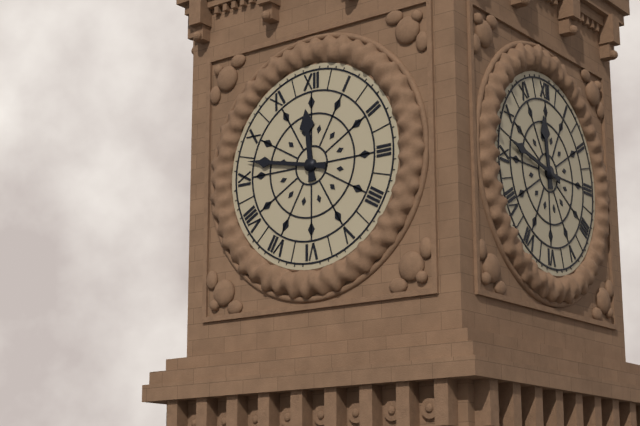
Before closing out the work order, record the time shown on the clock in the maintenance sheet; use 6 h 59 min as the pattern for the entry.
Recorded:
11 h 47 min
